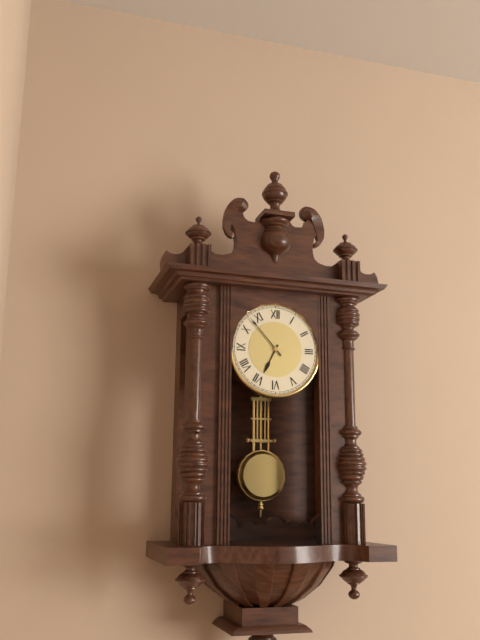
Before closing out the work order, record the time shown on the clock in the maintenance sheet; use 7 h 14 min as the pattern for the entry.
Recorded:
6 h 53 min
